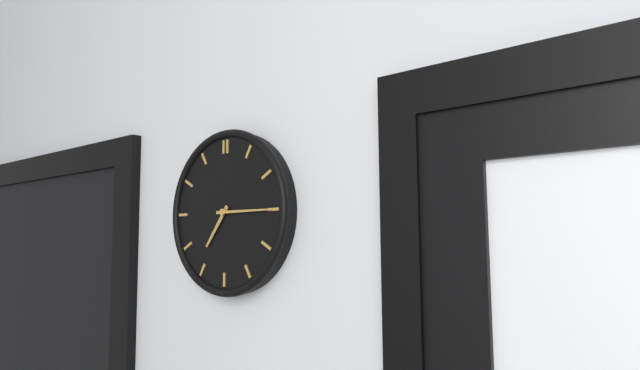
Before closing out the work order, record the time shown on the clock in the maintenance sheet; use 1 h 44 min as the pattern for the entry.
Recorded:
7 h 15 min
